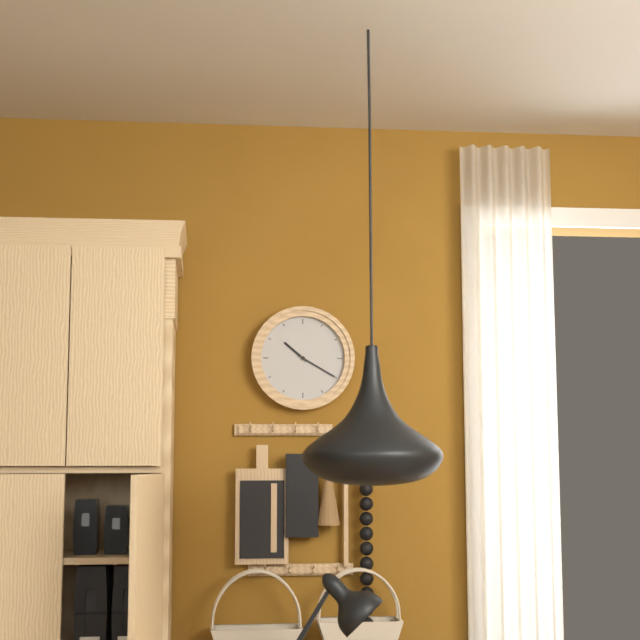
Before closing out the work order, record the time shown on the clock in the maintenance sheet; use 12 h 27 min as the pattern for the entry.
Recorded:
10 h 20 min
